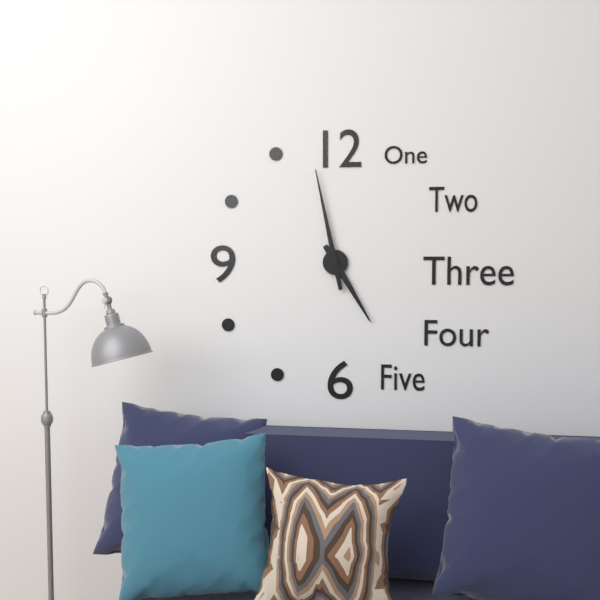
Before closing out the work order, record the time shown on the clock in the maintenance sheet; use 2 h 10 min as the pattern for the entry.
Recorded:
4 h 58 min
